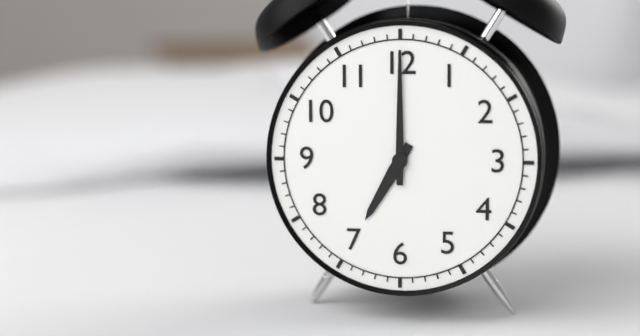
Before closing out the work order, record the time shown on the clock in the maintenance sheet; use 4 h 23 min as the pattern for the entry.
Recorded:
7 h 00 min
